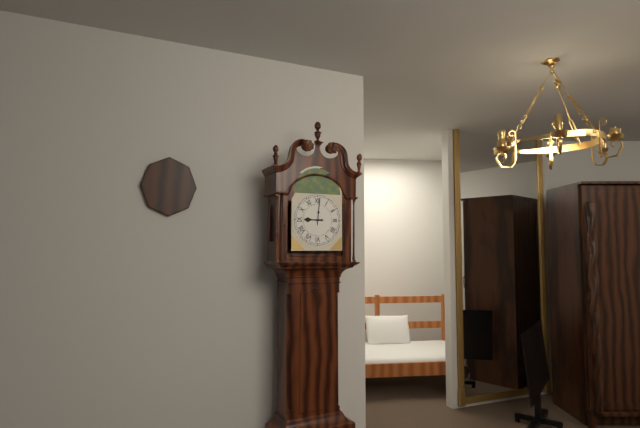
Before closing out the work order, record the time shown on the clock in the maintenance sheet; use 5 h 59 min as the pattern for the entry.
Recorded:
9 h 01 min
